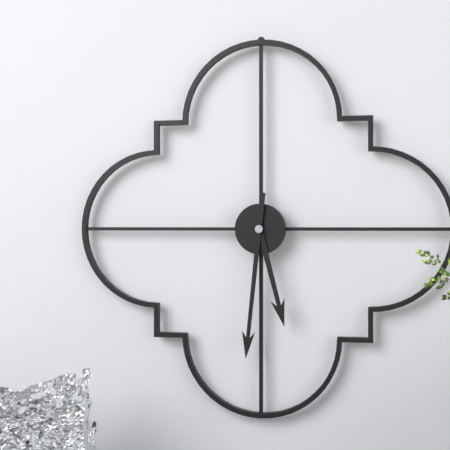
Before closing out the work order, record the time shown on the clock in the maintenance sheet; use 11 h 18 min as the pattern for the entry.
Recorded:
5 h 31 min
